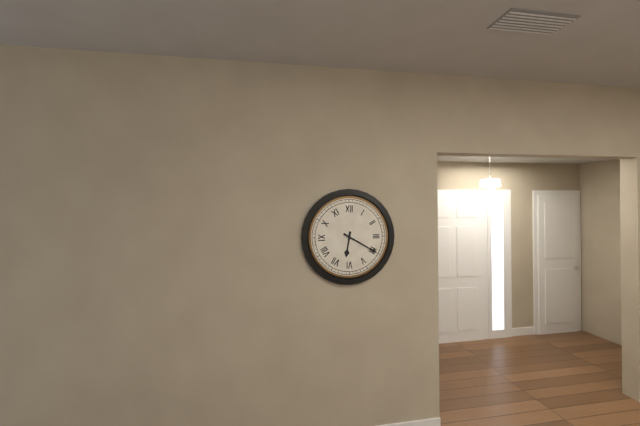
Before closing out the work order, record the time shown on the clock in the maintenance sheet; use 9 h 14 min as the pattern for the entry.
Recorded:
6 h 20 min
